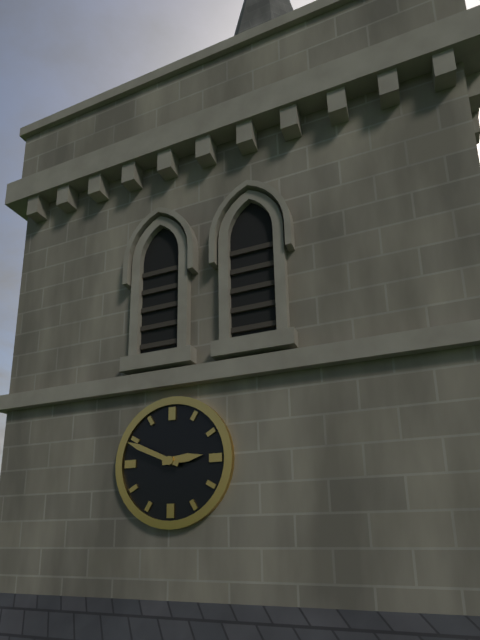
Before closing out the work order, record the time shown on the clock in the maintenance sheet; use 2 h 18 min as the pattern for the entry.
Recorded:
2 h 49 min
